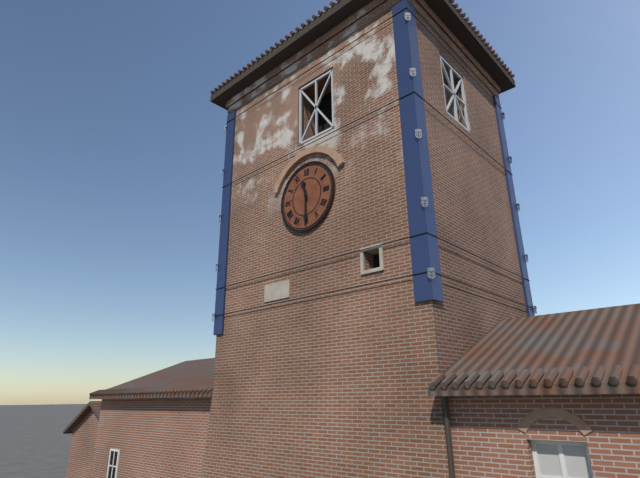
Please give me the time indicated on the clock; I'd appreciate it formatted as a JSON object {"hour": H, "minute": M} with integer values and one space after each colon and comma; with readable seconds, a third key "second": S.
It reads {"hour": 11, "minute": 30}
